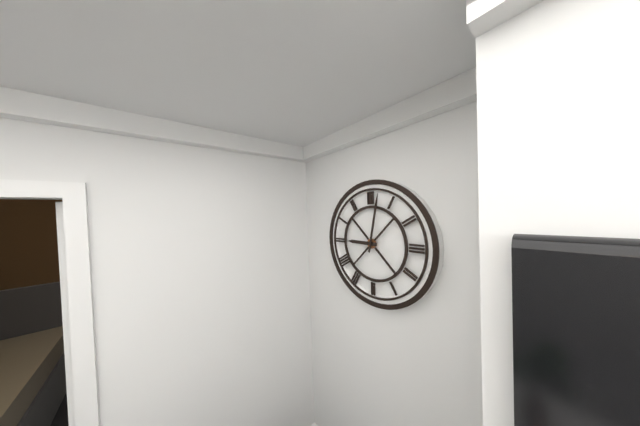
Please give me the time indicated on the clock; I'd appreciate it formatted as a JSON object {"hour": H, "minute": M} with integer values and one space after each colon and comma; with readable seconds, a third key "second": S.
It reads {"hour": 9, "minute": 2}
